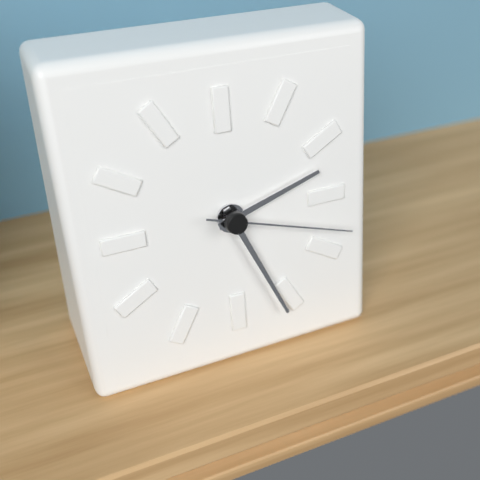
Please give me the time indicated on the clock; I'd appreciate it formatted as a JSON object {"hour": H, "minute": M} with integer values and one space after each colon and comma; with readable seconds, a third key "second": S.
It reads {"hour": 2, "minute": 26, "second": 18}
